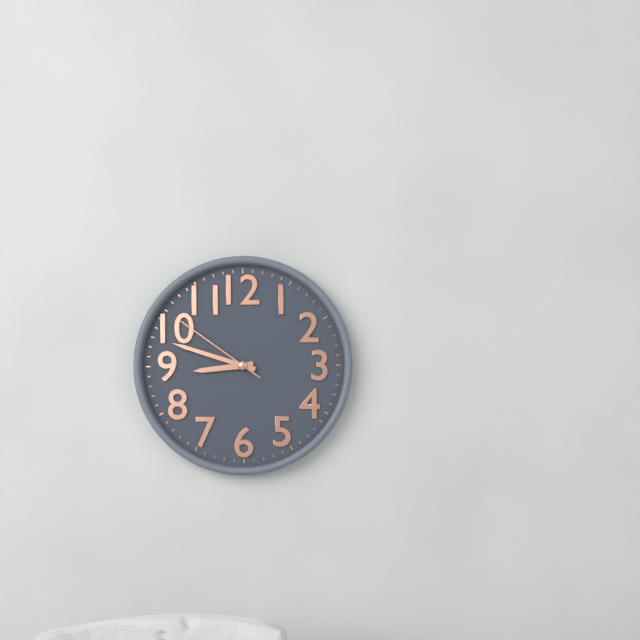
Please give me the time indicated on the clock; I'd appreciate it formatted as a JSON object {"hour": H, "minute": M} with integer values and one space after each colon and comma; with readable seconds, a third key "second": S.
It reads {"hour": 8, "minute": 48, "second": 51}
